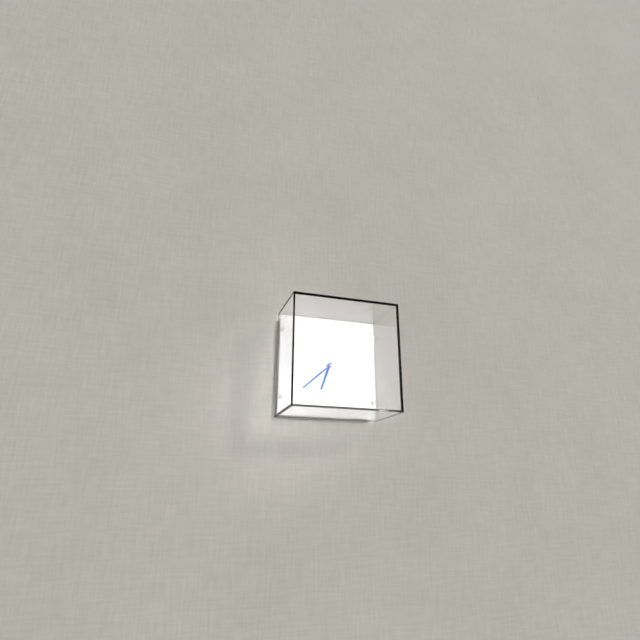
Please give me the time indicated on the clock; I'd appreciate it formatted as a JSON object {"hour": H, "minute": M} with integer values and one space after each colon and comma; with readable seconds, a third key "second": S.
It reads {"hour": 6, "minute": 38}
